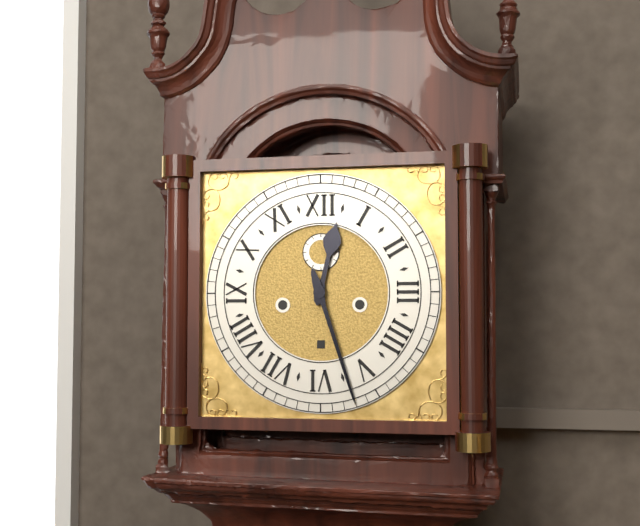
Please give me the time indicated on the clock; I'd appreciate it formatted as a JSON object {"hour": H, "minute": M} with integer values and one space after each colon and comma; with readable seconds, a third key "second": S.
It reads {"hour": 12, "minute": 27}
